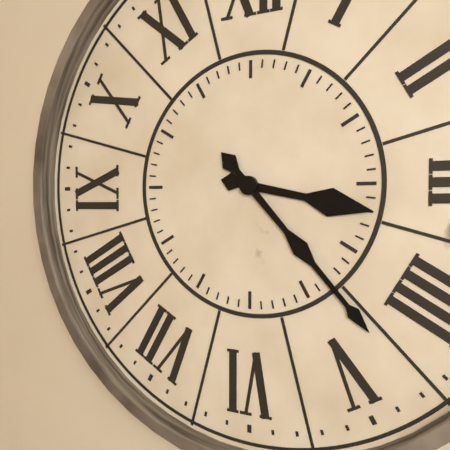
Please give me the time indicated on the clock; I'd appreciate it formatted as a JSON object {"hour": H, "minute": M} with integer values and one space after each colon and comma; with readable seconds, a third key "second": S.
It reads {"hour": 3, "minute": 23}
